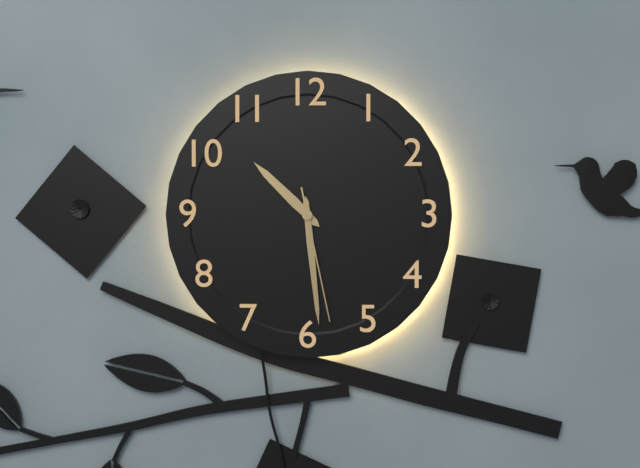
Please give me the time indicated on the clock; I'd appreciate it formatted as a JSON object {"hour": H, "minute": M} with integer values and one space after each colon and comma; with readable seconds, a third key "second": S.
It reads {"hour": 10, "minute": 29, "second": 28}
